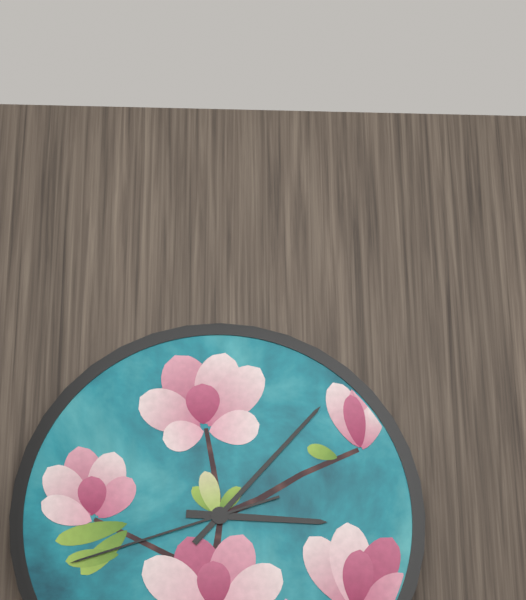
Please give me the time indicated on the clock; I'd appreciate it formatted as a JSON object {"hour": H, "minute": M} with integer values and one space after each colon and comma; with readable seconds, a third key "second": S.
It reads {"hour": 3, "minute": 7, "second": 42}
